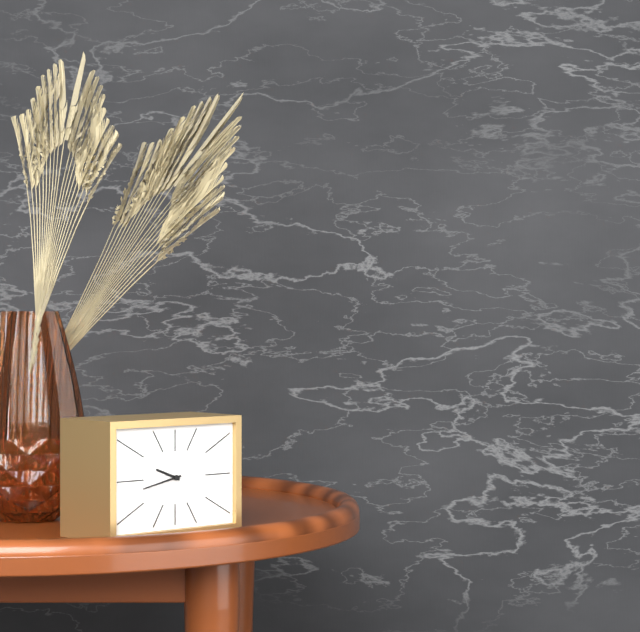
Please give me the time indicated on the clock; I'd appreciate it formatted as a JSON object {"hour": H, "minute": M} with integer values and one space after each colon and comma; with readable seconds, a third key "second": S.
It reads {"hour": 9, "minute": 43}
